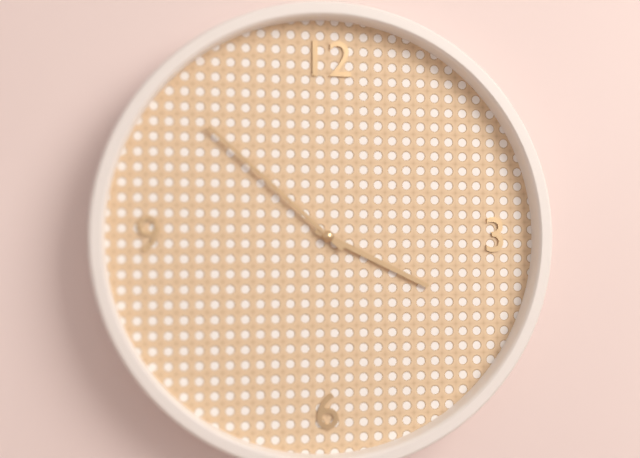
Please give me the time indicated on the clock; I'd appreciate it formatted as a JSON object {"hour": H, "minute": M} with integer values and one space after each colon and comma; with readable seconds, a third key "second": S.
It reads {"hour": 3, "minute": 52}
